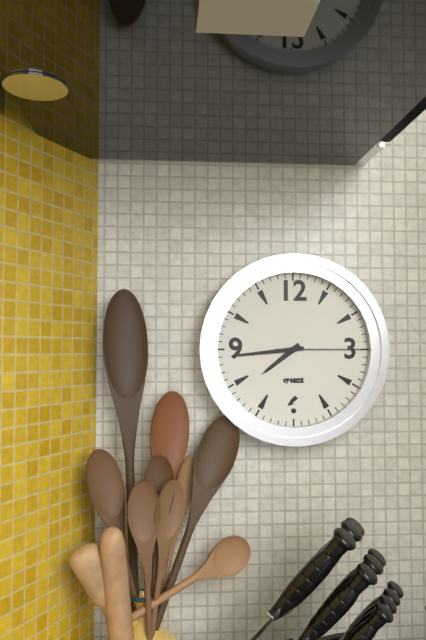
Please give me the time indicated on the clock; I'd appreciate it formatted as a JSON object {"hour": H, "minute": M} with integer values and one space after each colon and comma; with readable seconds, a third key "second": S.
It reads {"hour": 7, "minute": 44, "second": 15}
